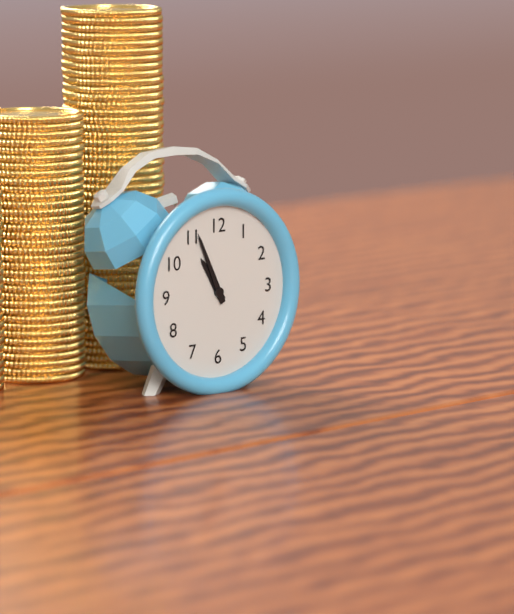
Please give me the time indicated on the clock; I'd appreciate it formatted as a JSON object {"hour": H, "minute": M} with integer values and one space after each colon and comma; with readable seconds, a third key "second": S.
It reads {"hour": 10, "minute": 56}
